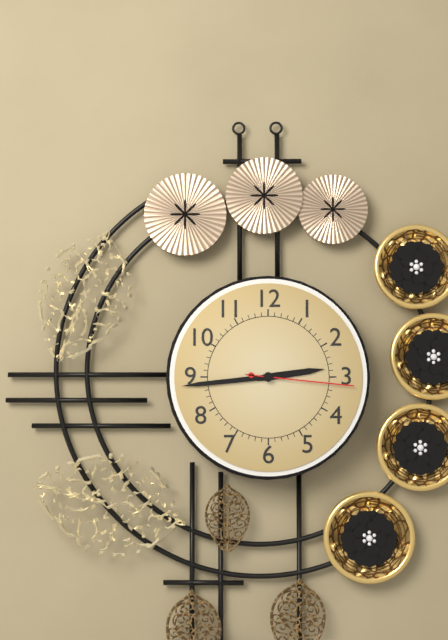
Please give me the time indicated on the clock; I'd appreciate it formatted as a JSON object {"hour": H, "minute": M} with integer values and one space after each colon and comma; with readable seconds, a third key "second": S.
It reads {"hour": 2, "minute": 44, "second": 16}
